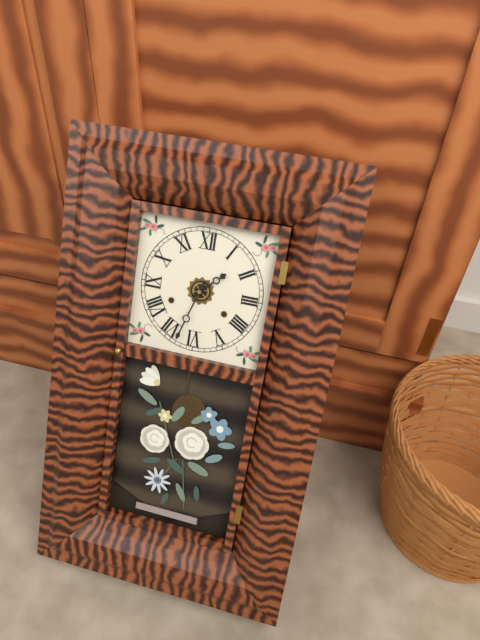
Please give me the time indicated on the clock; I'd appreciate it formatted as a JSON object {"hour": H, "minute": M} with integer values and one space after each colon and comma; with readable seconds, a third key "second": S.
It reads {"hour": 1, "minute": 33}
